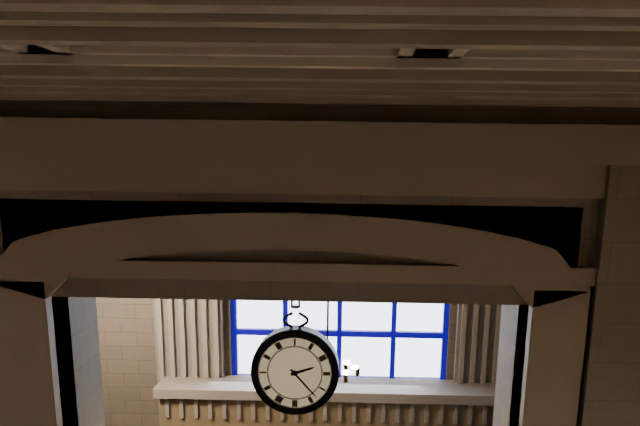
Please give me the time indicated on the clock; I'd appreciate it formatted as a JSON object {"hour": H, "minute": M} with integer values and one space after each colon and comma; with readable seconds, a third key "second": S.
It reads {"hour": 2, "minute": 23}
